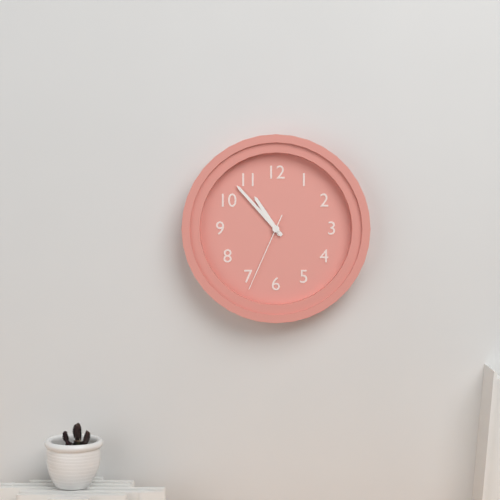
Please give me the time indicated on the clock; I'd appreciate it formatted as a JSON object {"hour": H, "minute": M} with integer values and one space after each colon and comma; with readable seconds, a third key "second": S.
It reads {"hour": 10, "minute": 53, "second": 34}
